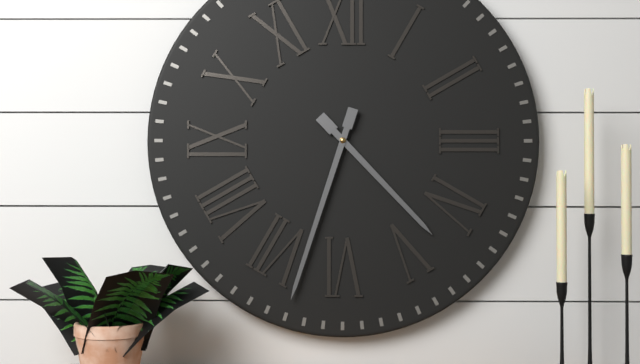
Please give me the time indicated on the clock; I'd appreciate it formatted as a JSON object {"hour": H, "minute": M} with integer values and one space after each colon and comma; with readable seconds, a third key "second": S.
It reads {"hour": 4, "minute": 33}
